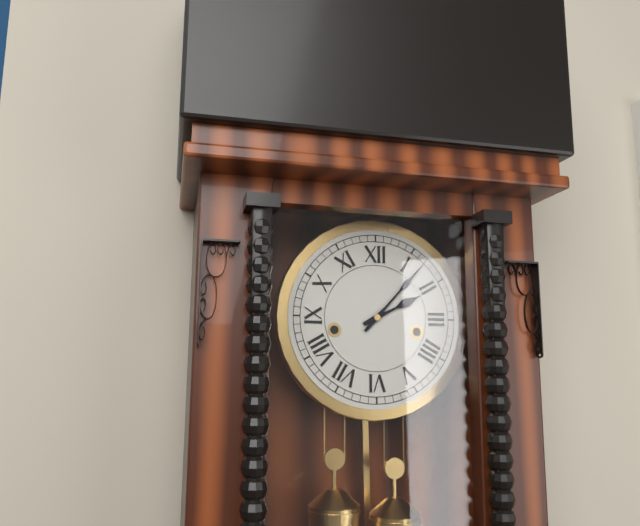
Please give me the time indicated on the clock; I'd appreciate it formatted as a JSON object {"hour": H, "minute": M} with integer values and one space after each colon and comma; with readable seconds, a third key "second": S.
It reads {"hour": 2, "minute": 7}
